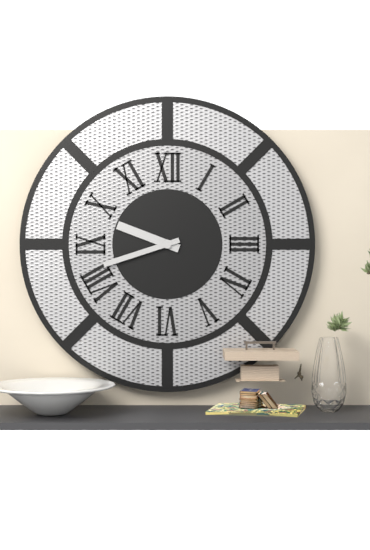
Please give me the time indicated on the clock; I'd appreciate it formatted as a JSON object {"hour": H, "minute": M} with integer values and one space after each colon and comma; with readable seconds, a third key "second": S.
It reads {"hour": 9, "minute": 42}
